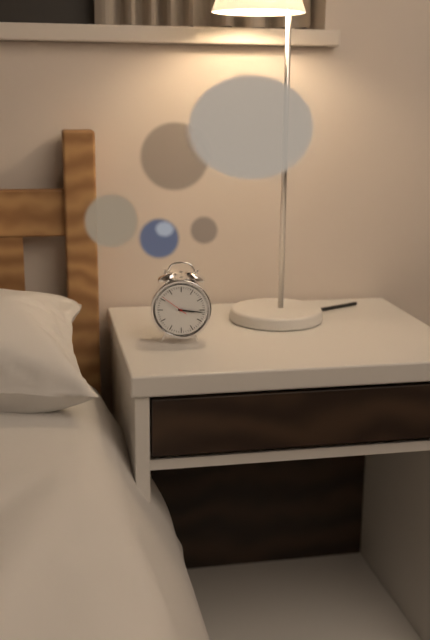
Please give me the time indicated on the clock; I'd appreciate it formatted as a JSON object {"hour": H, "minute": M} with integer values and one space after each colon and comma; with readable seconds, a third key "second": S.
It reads {"hour": 3, "minute": 16}
